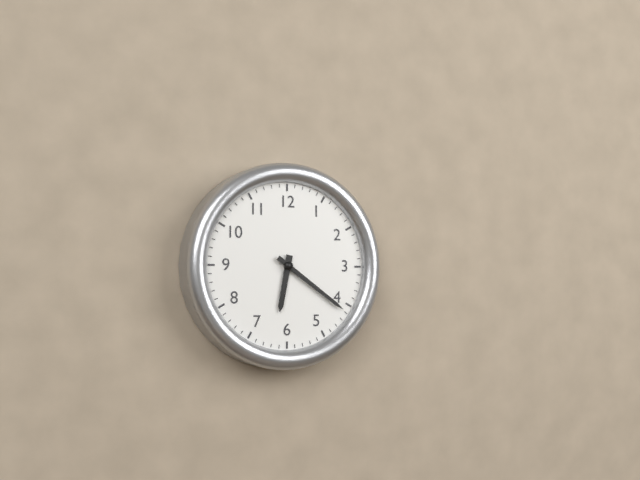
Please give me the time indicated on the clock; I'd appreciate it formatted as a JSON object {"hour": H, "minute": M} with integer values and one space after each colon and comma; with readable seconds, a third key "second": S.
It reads {"hour": 6, "minute": 21}
